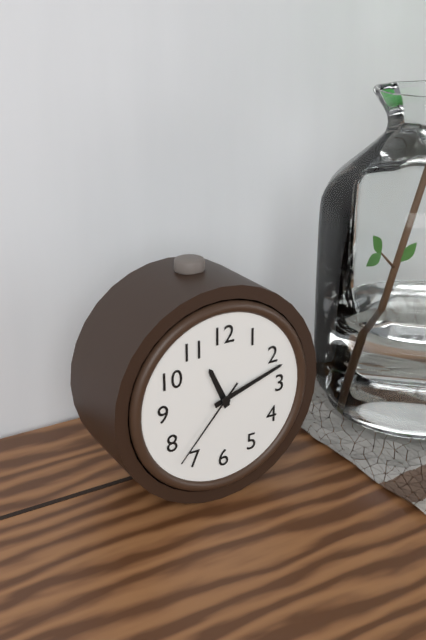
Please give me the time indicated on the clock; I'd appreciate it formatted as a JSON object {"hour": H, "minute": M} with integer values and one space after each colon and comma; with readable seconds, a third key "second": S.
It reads {"hour": 11, "minute": 12, "second": 37}
